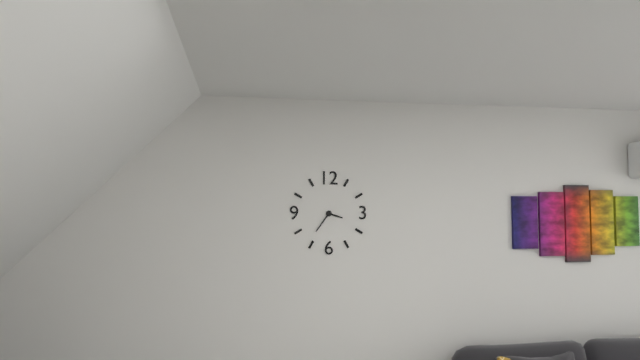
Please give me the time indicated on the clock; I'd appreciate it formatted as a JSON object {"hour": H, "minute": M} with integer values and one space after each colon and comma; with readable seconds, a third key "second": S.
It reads {"hour": 3, "minute": 36}
